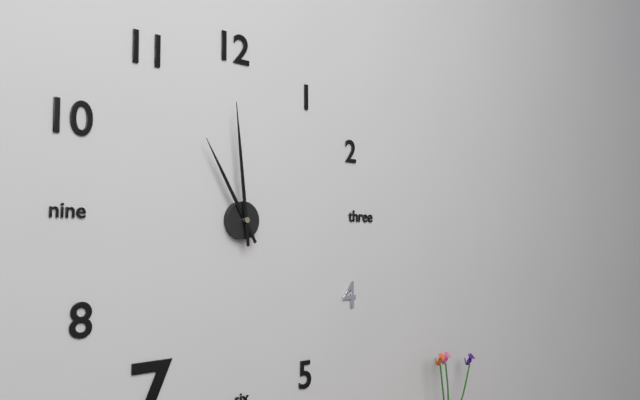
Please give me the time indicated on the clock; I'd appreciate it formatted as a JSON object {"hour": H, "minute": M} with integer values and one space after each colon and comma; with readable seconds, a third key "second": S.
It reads {"hour": 10, "minute": 59}
